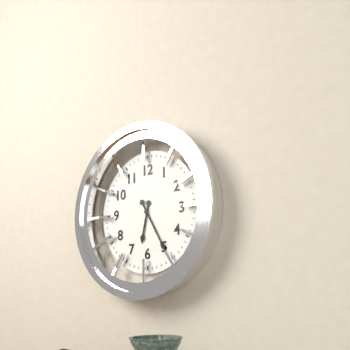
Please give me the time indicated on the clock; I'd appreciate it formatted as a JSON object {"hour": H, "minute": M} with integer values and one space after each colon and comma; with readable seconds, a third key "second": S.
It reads {"hour": 6, "minute": 25}
